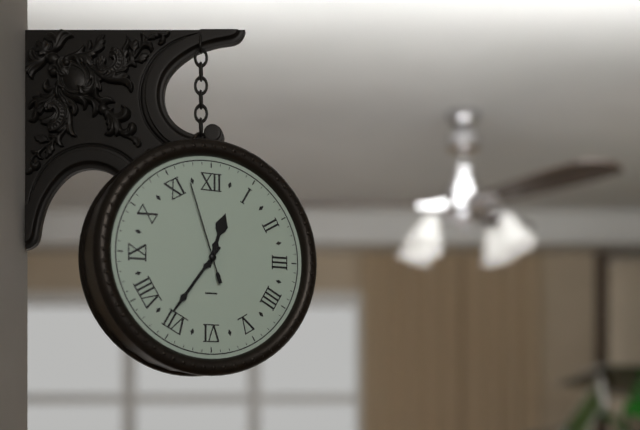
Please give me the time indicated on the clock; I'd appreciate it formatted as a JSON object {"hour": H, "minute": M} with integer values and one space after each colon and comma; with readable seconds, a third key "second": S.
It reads {"hour": 12, "minute": 36, "second": 57}
